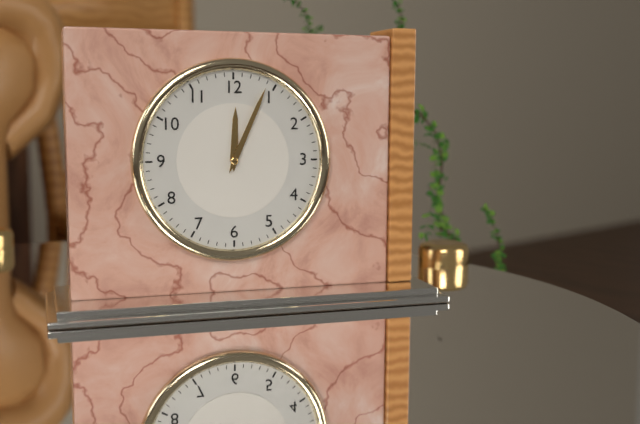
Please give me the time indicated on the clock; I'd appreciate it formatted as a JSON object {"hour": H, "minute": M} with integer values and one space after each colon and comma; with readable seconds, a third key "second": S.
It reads {"hour": 12, "minute": 4}
